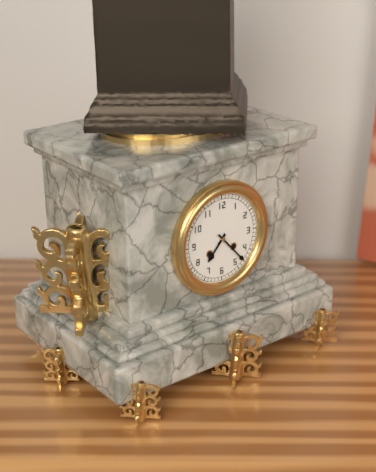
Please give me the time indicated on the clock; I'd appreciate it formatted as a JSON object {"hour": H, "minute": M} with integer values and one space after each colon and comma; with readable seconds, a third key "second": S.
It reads {"hour": 7, "minute": 23}
